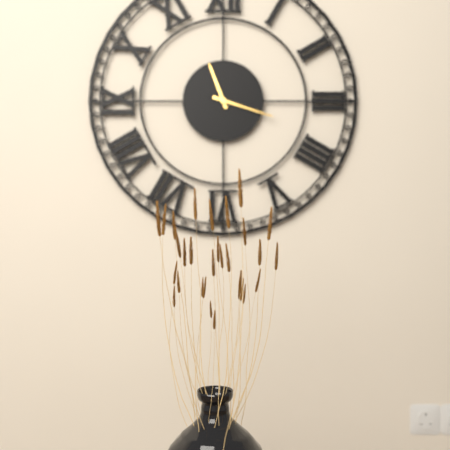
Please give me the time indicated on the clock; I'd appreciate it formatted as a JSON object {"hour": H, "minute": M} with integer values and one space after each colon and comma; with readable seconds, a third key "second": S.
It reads {"hour": 11, "minute": 18}
